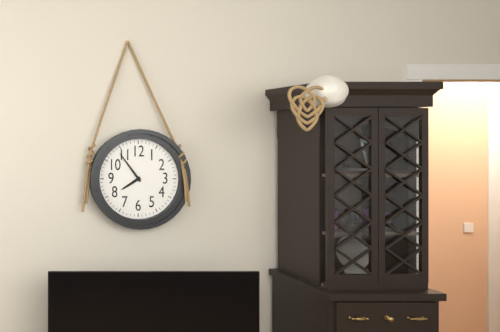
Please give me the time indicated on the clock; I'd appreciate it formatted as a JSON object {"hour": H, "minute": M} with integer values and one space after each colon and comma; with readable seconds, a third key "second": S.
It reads {"hour": 7, "minute": 54}
